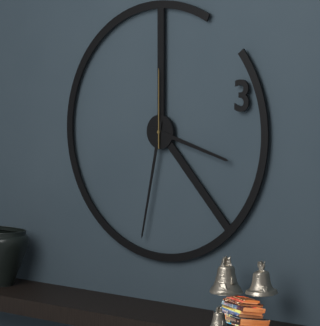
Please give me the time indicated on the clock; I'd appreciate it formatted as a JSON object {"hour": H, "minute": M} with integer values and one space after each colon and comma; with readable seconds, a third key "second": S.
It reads {"hour": 3, "minute": 32, "second": 0}
